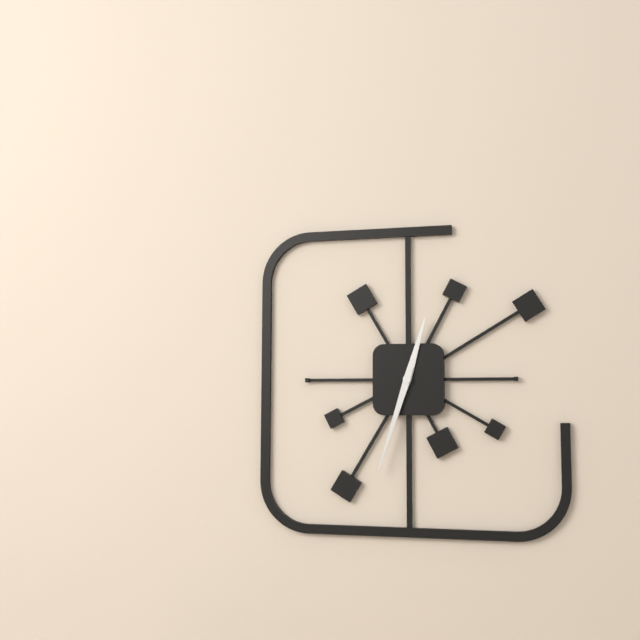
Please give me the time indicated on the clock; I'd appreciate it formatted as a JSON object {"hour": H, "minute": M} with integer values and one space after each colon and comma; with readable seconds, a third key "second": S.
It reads {"hour": 12, "minute": 33}
